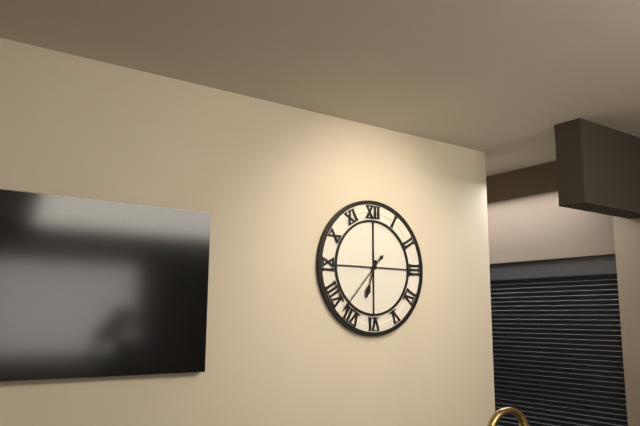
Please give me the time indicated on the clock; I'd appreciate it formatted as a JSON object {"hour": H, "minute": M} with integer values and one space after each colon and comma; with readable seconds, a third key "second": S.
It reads {"hour": 6, "minute": 37}
